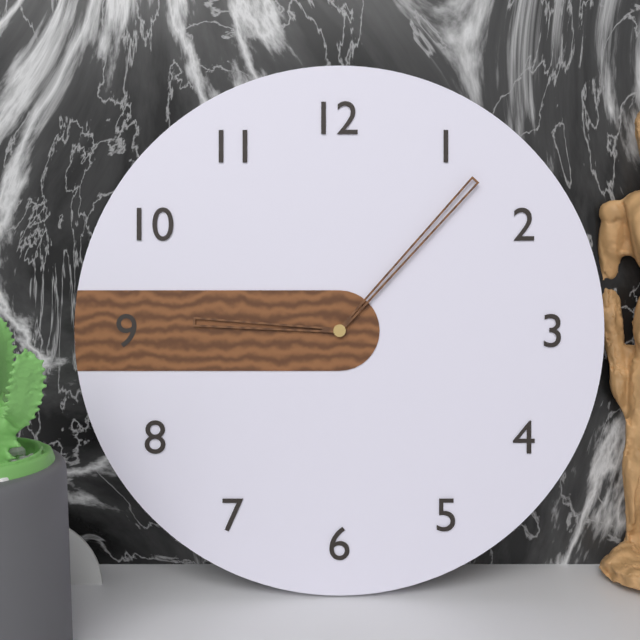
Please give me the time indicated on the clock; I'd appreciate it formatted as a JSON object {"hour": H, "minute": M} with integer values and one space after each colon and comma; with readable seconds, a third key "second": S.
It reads {"hour": 9, "minute": 7}
